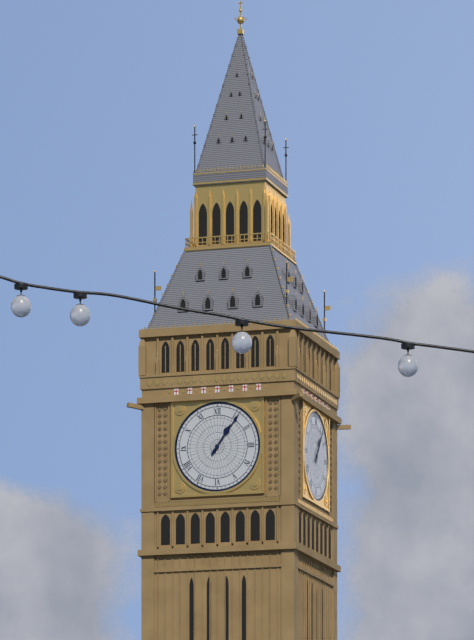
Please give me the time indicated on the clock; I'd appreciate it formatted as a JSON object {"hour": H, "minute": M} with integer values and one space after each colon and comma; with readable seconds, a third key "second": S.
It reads {"hour": 1, "minute": 6}
